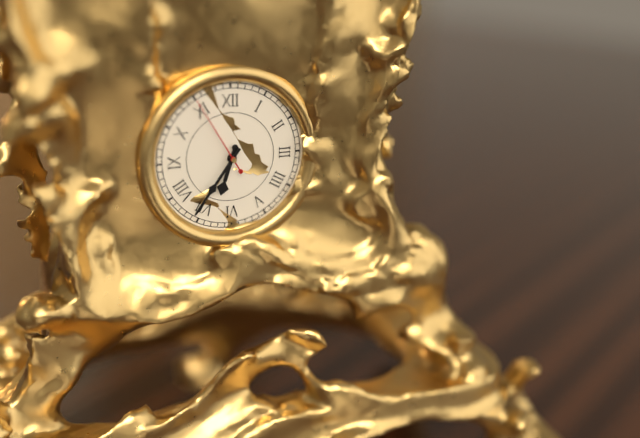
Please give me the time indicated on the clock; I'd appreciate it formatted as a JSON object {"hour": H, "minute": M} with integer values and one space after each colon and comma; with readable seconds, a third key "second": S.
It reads {"hour": 6, "minute": 36, "second": 55}
